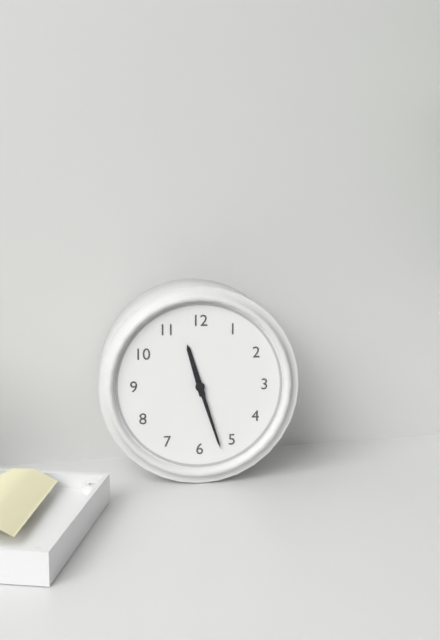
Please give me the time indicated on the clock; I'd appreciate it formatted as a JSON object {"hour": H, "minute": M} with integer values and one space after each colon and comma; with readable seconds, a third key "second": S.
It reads {"hour": 11, "minute": 27}
